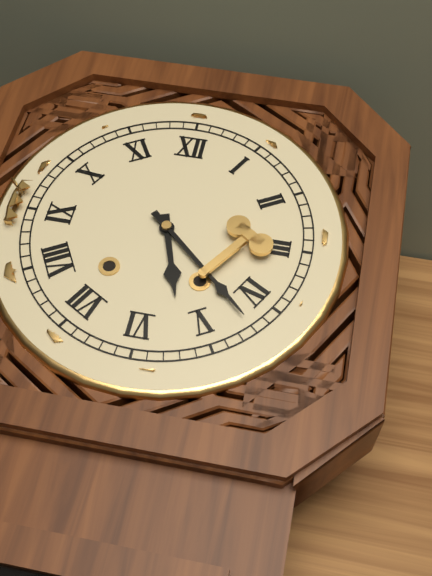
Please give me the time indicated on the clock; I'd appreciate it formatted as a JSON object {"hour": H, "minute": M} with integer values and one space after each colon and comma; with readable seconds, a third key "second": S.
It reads {"hour": 5, "minute": 22}
